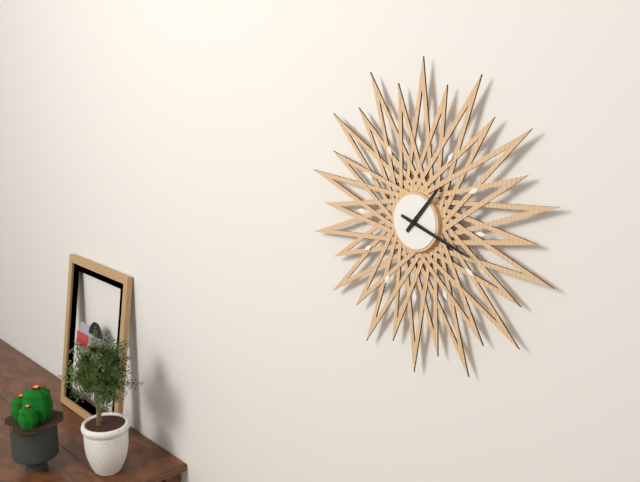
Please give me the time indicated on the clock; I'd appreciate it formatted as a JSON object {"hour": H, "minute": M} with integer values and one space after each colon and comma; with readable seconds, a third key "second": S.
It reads {"hour": 1, "minute": 18}
